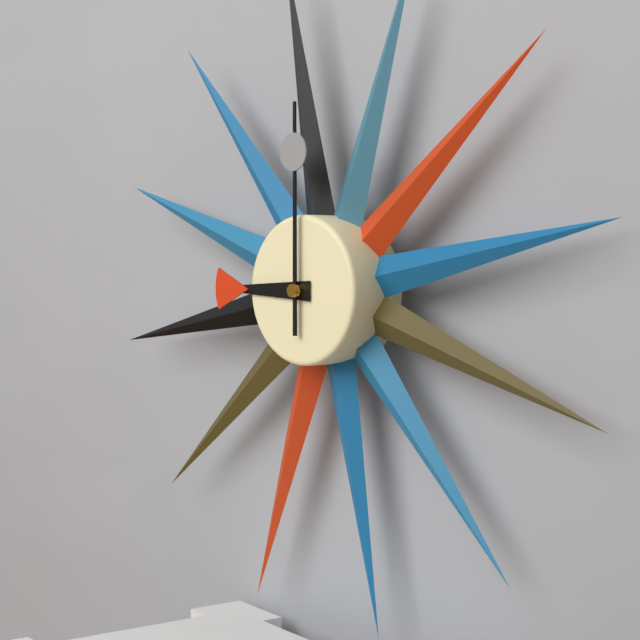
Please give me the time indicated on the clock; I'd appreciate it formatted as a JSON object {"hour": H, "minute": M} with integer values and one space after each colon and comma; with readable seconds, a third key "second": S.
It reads {"hour": 9, "minute": 0}
